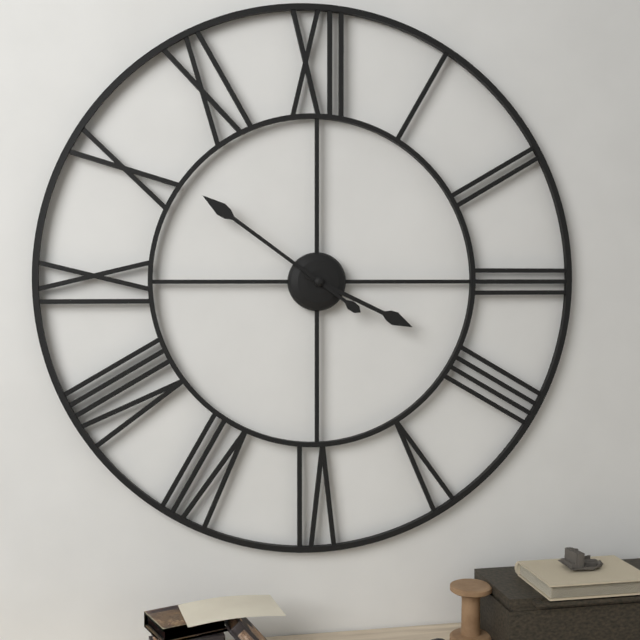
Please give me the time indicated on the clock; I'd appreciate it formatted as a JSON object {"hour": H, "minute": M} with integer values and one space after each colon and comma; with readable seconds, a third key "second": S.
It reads {"hour": 3, "minute": 51}
